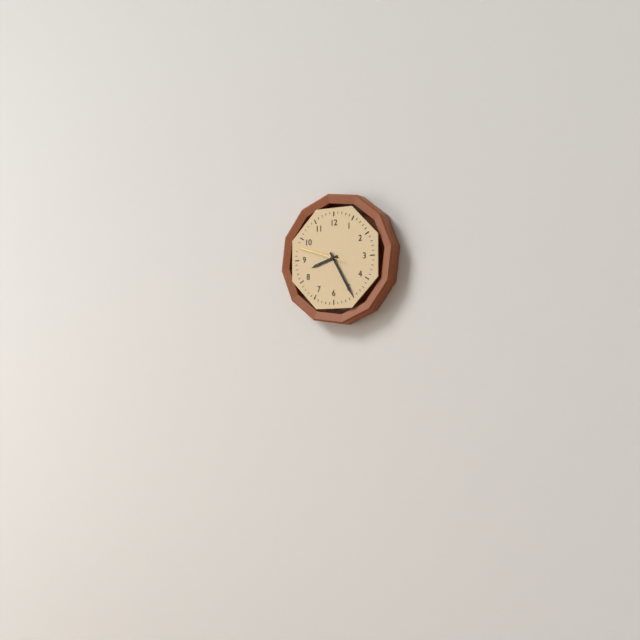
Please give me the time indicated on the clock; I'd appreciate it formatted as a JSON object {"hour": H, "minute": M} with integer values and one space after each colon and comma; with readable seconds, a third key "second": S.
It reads {"hour": 8, "minute": 25}
